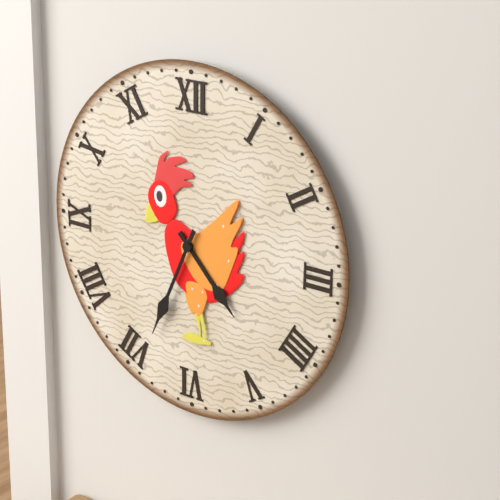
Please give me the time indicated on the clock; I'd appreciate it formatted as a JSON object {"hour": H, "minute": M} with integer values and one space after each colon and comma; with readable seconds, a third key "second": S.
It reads {"hour": 4, "minute": 34}
